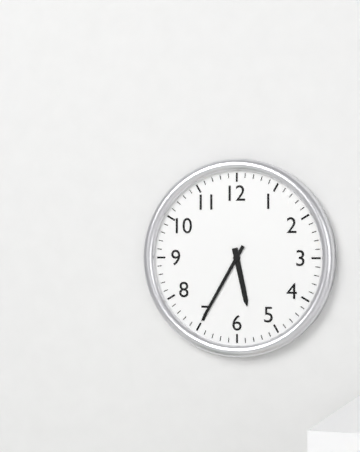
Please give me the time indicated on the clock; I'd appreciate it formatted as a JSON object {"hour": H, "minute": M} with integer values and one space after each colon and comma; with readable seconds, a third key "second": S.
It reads {"hour": 5, "minute": 35}
